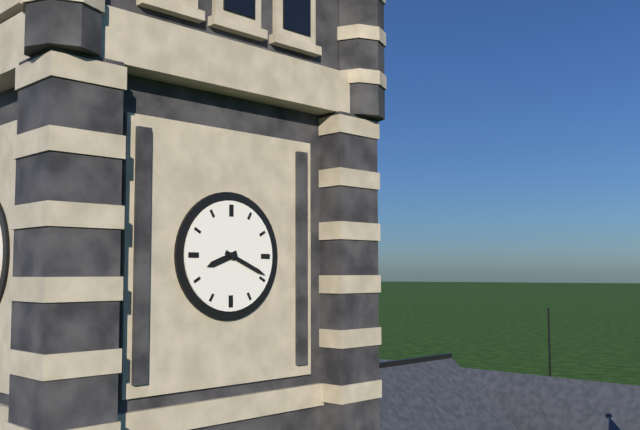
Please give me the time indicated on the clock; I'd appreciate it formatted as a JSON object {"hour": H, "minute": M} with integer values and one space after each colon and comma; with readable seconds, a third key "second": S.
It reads {"hour": 8, "minute": 19}
